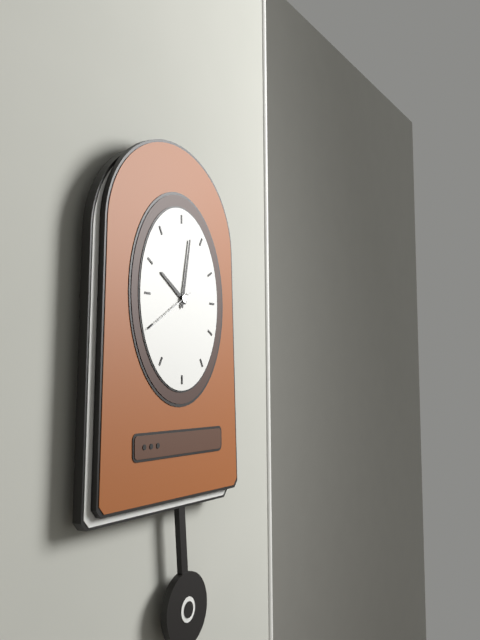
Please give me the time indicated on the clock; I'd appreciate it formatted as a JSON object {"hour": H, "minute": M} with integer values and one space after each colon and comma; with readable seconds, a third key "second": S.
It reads {"hour": 10, "minute": 2, "second": 40}
